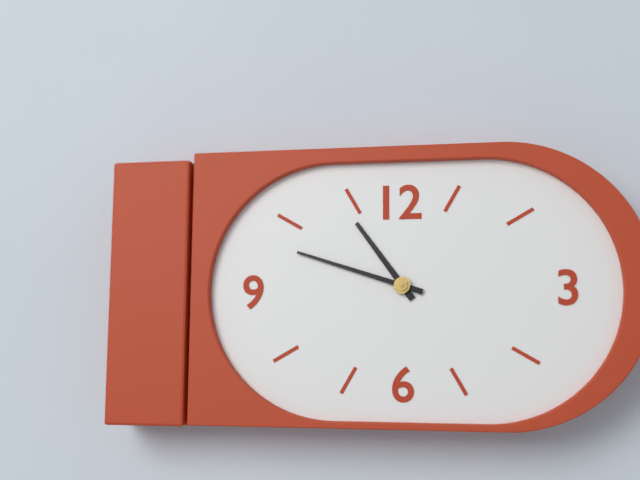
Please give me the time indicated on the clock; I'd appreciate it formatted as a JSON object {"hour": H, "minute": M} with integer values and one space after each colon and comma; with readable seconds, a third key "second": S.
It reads {"hour": 10, "minute": 48}
